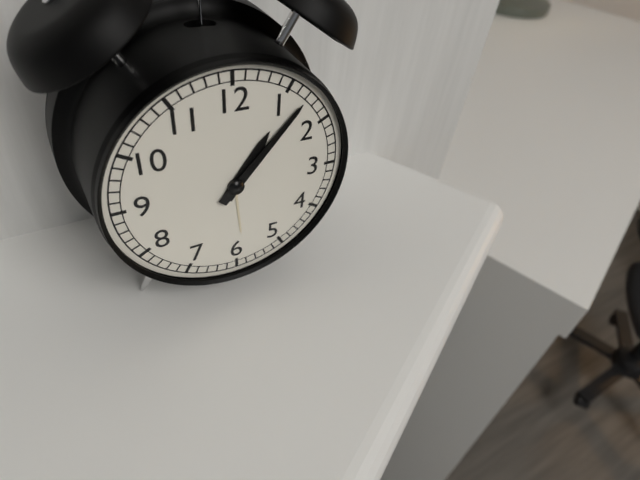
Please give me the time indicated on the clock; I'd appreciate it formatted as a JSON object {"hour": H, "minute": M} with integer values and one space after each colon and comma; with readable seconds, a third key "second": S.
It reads {"hour": 1, "minute": 7}
